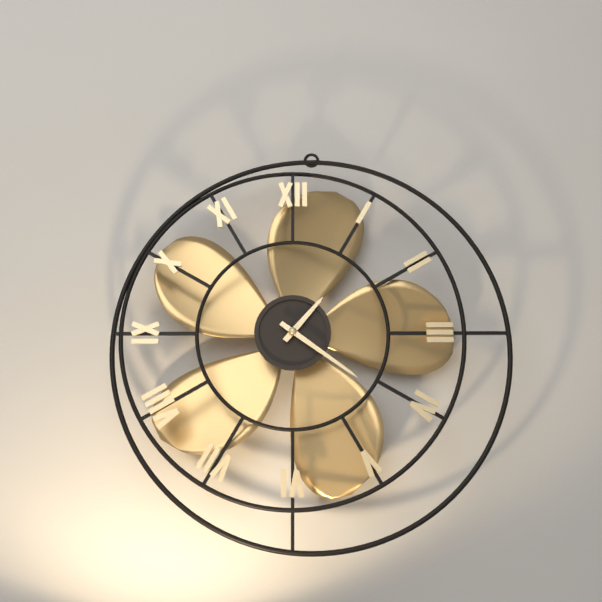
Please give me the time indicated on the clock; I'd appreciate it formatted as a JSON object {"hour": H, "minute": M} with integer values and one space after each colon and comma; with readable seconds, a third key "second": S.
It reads {"hour": 1, "minute": 21}
